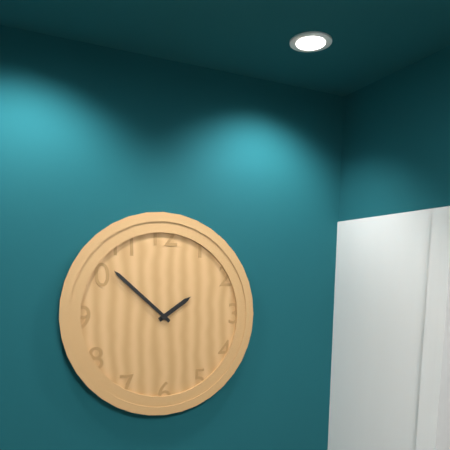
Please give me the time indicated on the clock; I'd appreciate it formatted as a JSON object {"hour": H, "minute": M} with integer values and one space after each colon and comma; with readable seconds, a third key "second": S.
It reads {"hour": 1, "minute": 52}
